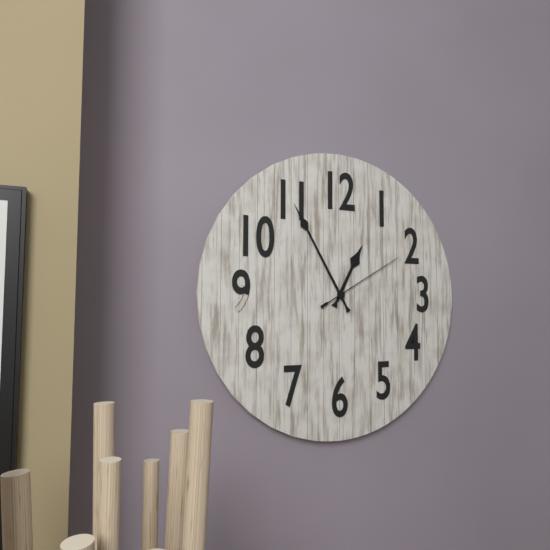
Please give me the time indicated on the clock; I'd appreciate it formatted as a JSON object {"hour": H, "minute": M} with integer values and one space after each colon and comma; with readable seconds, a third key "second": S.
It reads {"hour": 12, "minute": 55, "second": 10}
